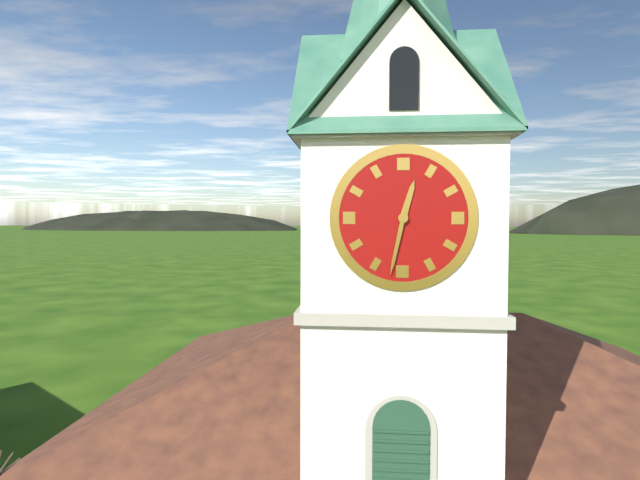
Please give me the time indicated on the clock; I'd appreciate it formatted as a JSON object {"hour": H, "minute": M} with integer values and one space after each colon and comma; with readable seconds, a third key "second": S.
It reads {"hour": 12, "minute": 32}
